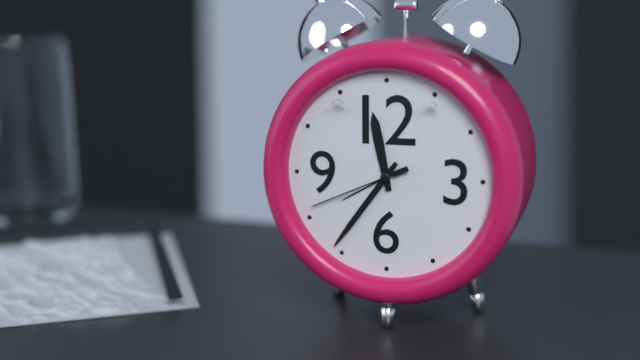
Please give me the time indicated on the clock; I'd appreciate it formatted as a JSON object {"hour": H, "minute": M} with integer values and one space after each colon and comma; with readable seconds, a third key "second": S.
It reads {"hour": 11, "minute": 36, "second": 41}
